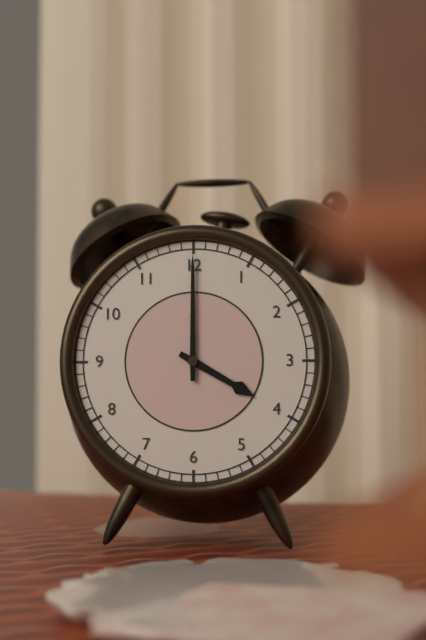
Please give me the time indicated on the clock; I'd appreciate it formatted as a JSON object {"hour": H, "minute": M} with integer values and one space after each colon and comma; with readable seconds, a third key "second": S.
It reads {"hour": 4, "minute": 0}
